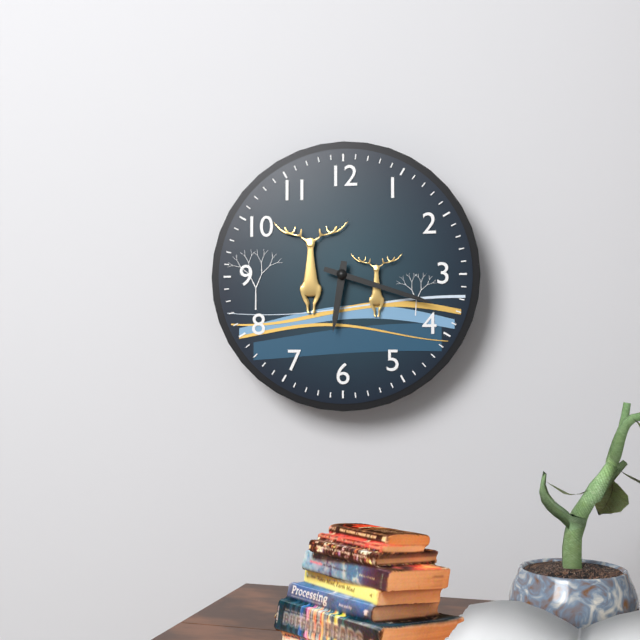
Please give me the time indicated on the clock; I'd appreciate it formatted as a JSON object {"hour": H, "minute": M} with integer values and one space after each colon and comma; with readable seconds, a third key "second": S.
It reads {"hour": 6, "minute": 18}
